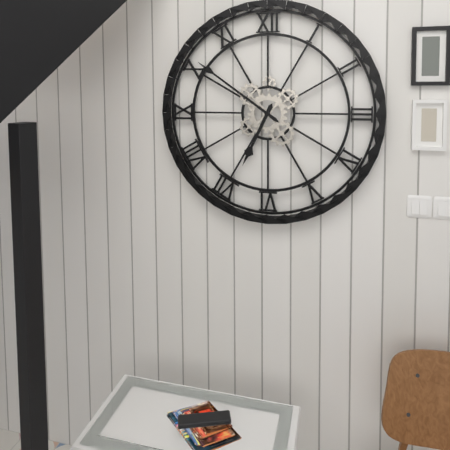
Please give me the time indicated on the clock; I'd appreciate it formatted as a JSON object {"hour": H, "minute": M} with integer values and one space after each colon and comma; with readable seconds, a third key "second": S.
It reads {"hour": 6, "minute": 51}
